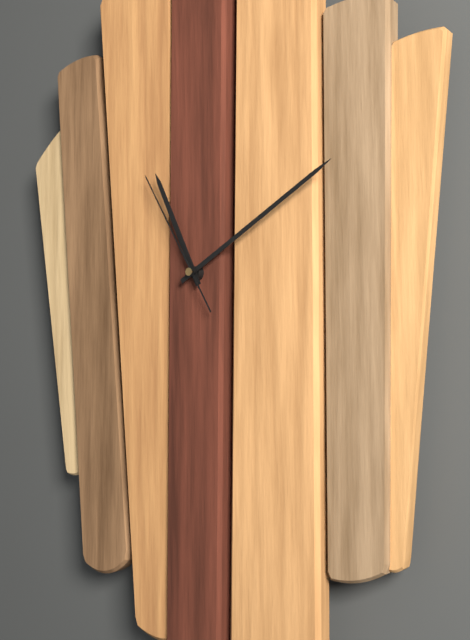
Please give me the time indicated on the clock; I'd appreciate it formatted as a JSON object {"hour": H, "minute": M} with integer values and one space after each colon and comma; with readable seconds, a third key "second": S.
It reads {"hour": 11, "minute": 10, "second": 55}
